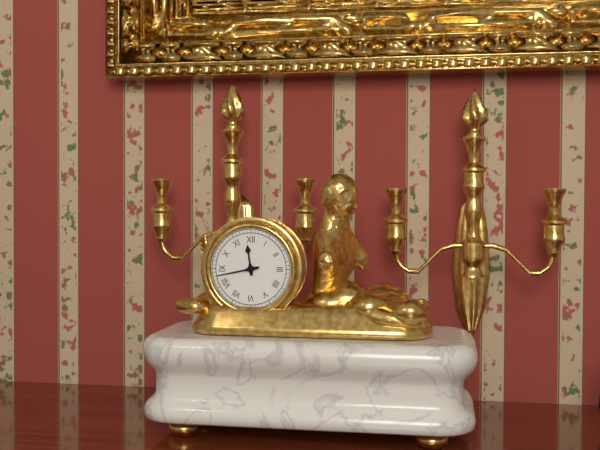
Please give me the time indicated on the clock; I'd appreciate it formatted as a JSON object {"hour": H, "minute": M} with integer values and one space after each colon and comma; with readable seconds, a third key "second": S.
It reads {"hour": 11, "minute": 43}
